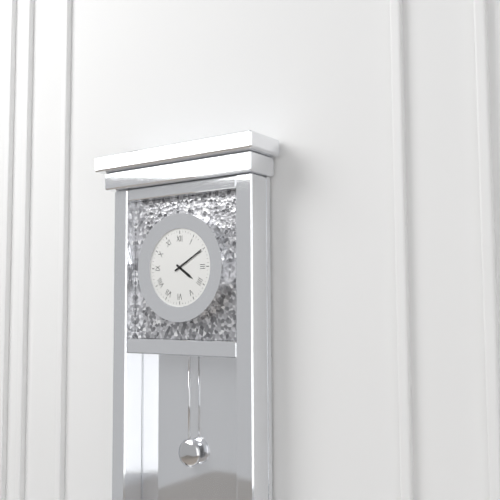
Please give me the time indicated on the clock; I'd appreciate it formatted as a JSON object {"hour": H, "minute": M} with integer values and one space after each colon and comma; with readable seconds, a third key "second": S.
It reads {"hour": 4, "minute": 10}
